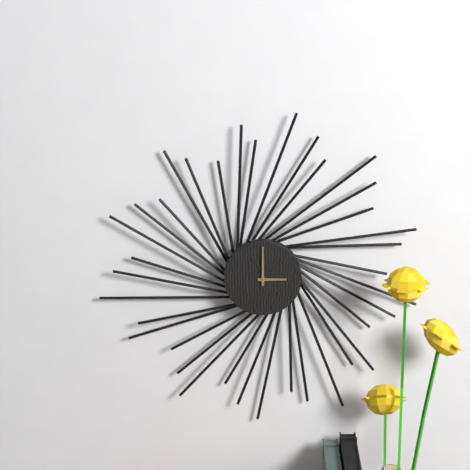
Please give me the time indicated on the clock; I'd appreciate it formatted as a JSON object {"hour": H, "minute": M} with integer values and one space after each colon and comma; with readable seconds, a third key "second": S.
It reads {"hour": 3, "minute": 0}
